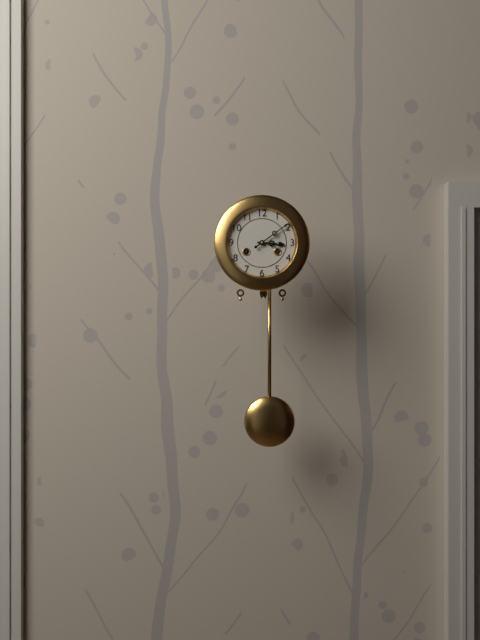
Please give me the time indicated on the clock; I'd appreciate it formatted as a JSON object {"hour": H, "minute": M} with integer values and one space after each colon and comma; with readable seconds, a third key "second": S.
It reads {"hour": 3, "minute": 9}
